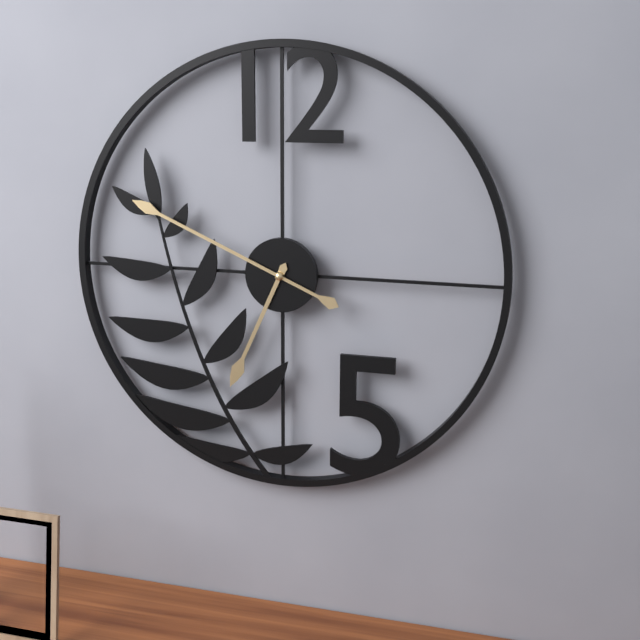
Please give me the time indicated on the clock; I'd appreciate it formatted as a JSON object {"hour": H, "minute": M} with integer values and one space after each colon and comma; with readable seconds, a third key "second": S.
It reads {"hour": 6, "minute": 49}
